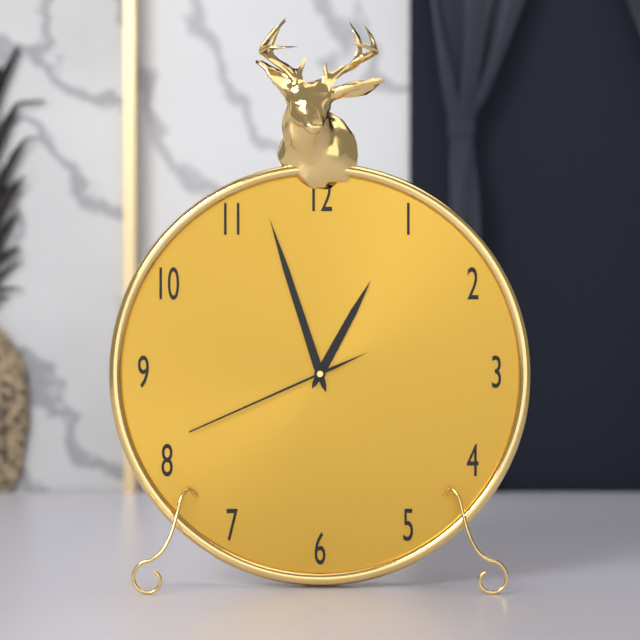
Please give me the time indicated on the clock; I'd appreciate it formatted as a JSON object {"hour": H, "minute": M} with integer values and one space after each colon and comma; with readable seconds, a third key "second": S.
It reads {"hour": 12, "minute": 57, "second": 41}
